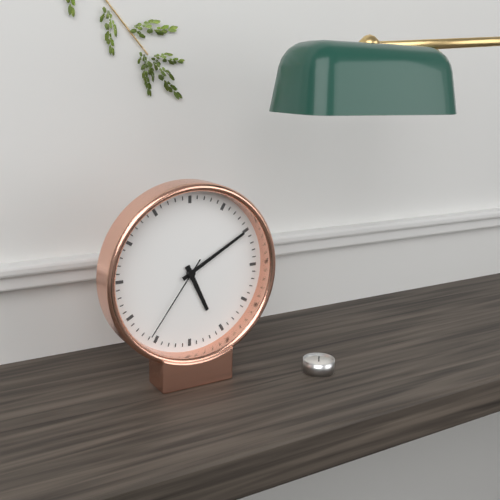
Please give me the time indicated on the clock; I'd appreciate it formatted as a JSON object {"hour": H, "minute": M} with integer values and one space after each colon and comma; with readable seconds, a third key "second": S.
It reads {"hour": 5, "minute": 10, "second": 36}
